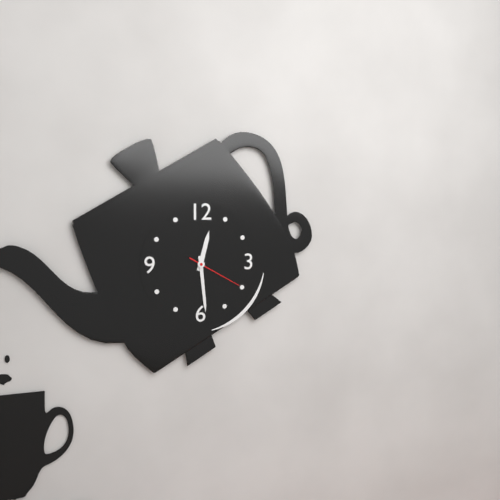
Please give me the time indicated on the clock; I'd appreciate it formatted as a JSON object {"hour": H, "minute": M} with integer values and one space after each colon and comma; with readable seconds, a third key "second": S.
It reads {"hour": 12, "minute": 29, "second": 20}
